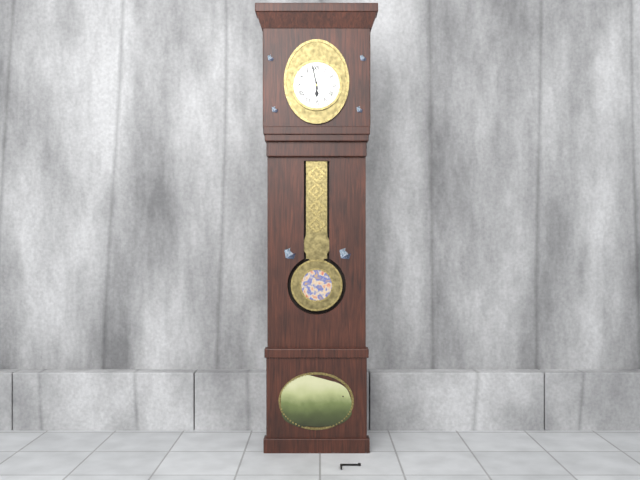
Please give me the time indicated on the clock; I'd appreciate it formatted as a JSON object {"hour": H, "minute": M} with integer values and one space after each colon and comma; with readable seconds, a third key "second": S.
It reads {"hour": 5, "minute": 58}
